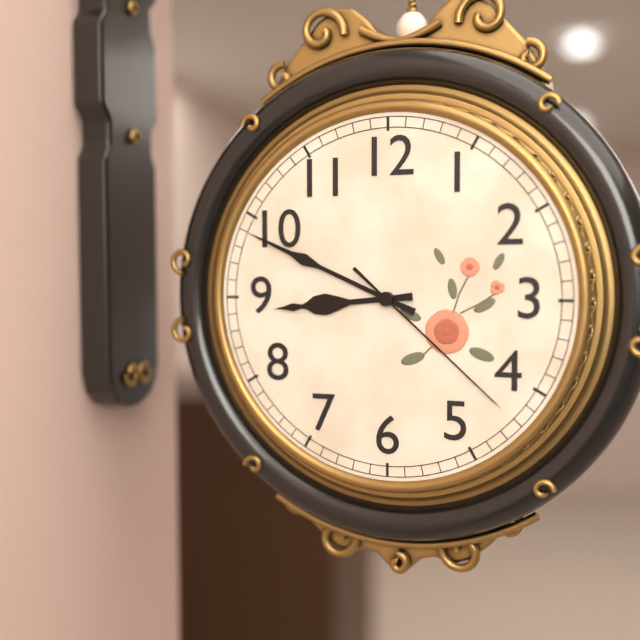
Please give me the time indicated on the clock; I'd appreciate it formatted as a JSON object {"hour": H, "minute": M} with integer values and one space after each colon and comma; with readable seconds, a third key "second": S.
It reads {"hour": 8, "minute": 49, "second": 22}
